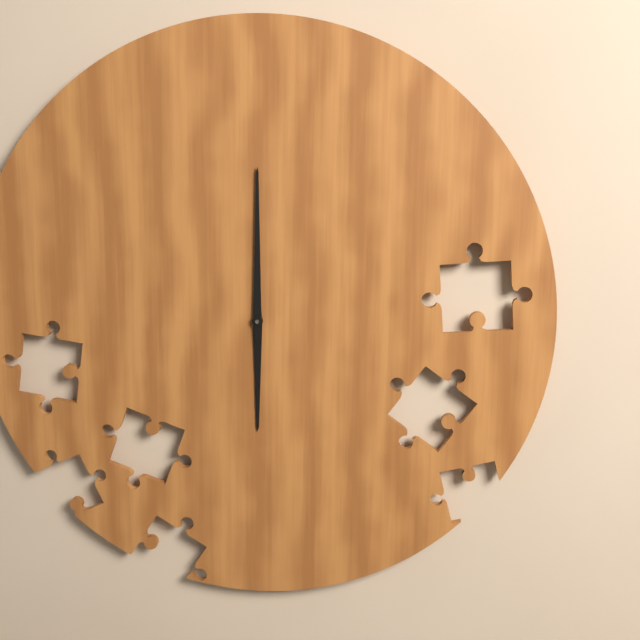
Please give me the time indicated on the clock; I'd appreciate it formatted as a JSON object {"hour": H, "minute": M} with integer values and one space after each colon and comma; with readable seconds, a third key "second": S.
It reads {"hour": 6, "minute": 0}
